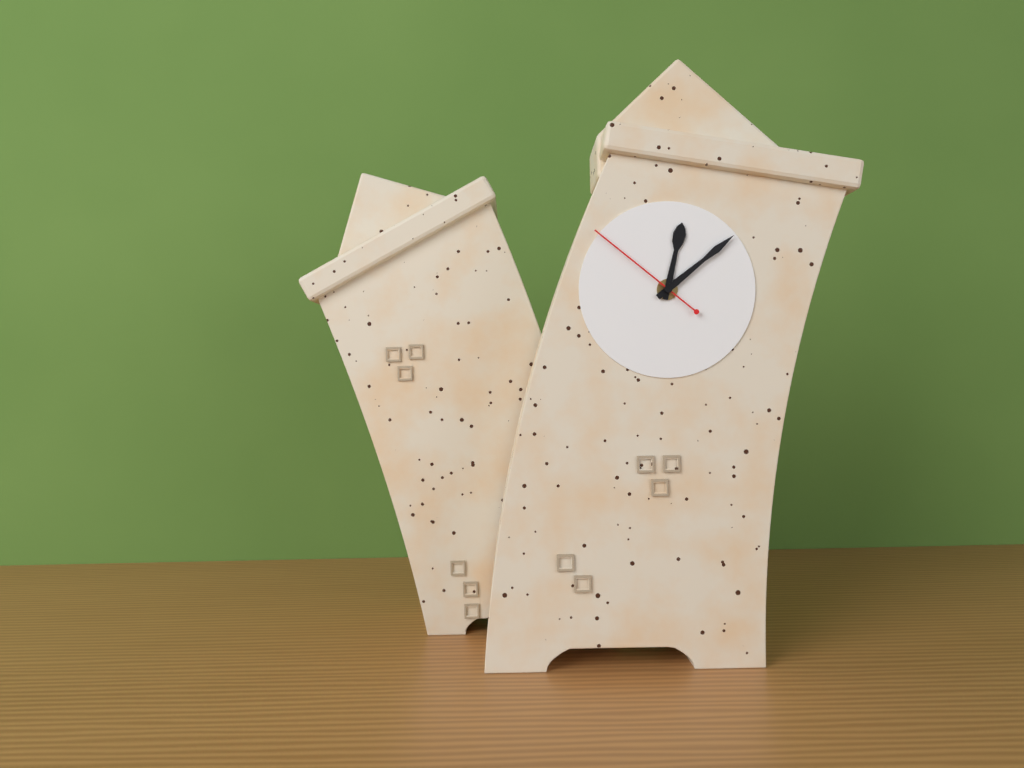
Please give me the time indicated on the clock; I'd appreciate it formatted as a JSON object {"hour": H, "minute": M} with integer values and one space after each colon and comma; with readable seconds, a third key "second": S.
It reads {"hour": 12, "minute": 7, "second": 50}
